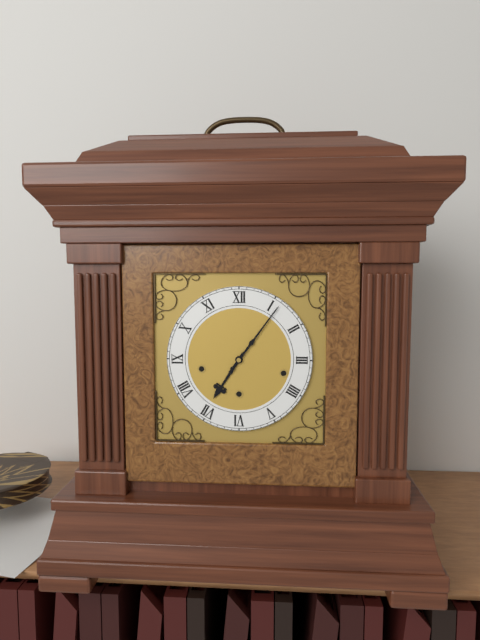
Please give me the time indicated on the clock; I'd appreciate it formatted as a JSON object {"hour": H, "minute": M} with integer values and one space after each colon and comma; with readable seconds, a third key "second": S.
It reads {"hour": 7, "minute": 6}
